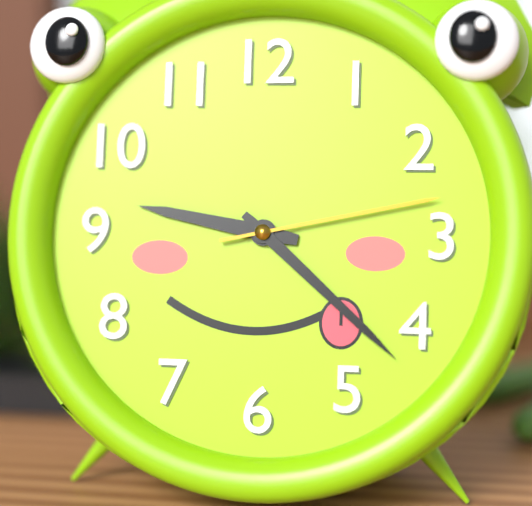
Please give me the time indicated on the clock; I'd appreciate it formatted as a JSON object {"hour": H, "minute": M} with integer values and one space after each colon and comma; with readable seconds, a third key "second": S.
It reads {"hour": 9, "minute": 22, "second": 13}
